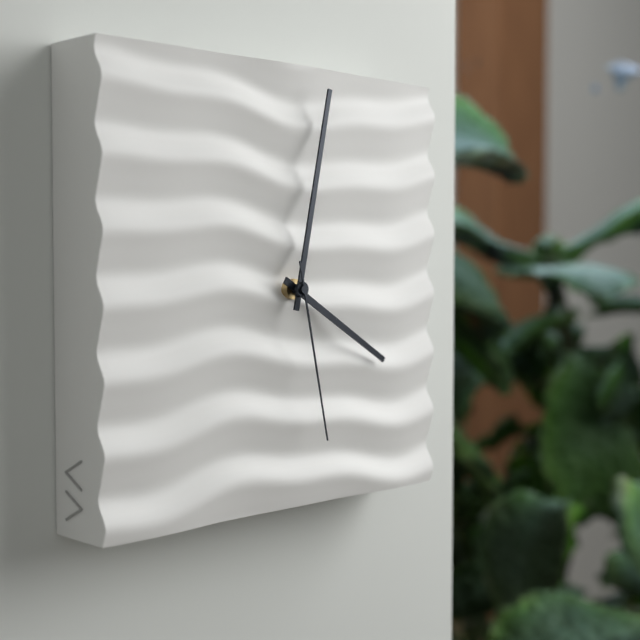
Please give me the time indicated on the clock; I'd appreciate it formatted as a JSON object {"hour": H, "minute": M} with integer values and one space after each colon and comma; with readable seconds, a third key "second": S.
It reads {"hour": 4, "minute": 2, "second": 28}
